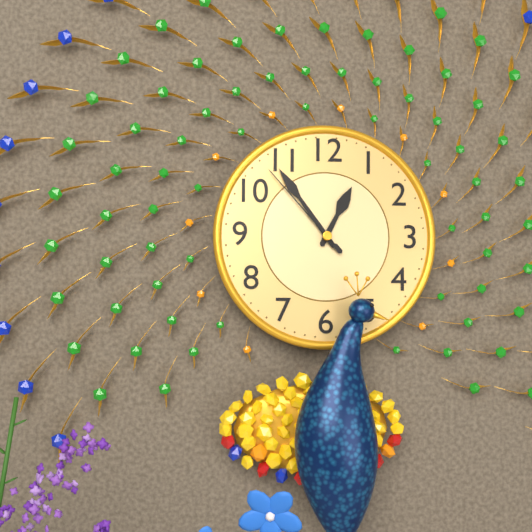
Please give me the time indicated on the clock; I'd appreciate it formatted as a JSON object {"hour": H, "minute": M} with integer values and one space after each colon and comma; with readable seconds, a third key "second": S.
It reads {"hour": 12, "minute": 54, "second": 53}
